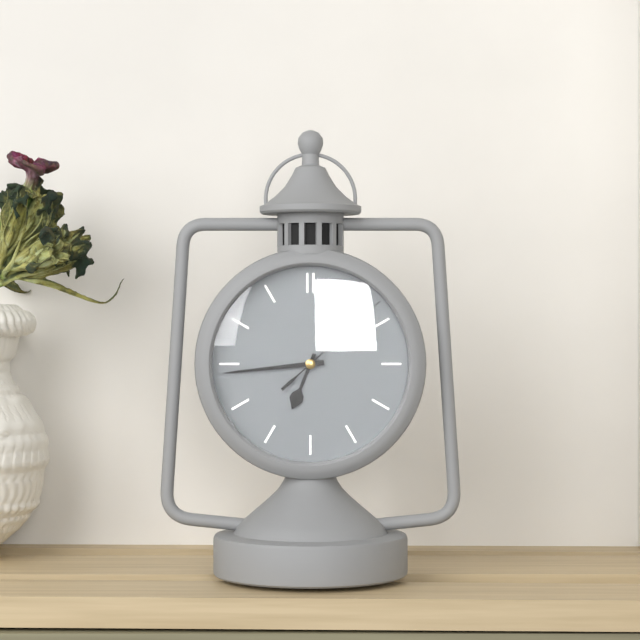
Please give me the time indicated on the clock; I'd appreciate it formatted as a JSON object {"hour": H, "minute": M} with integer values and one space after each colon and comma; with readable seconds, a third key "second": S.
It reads {"hour": 6, "minute": 44, "second": 8}
